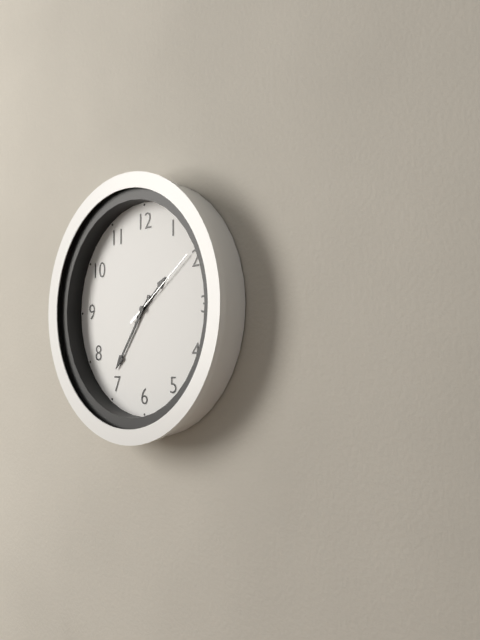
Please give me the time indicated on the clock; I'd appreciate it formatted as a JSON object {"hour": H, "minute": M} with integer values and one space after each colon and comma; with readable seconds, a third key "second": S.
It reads {"hour": 1, "minute": 36, "second": 9}
